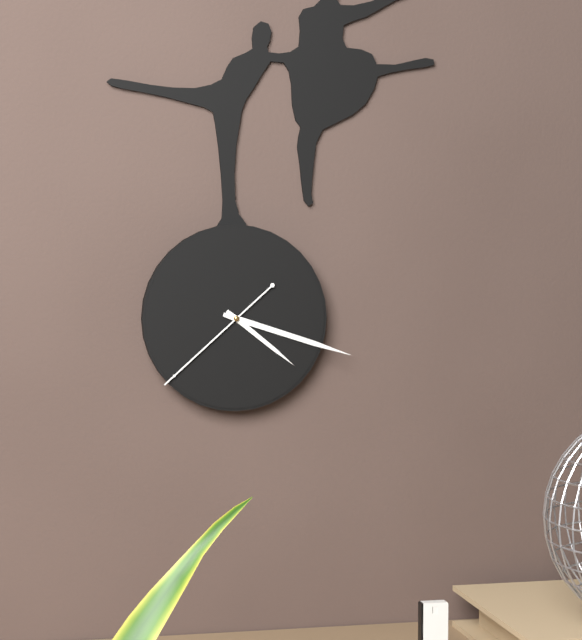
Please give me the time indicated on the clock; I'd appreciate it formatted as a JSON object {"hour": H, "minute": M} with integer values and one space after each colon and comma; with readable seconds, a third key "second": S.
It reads {"hour": 4, "minute": 18, "second": 38}
